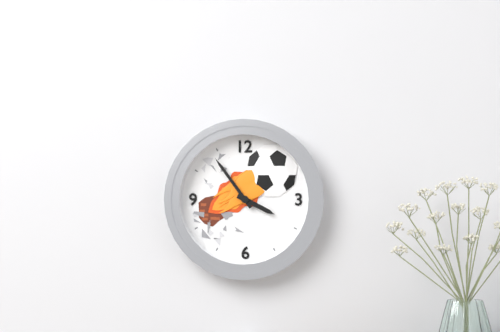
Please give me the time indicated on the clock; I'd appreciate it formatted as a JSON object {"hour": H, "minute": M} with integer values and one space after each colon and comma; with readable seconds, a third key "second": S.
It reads {"hour": 3, "minute": 54}
